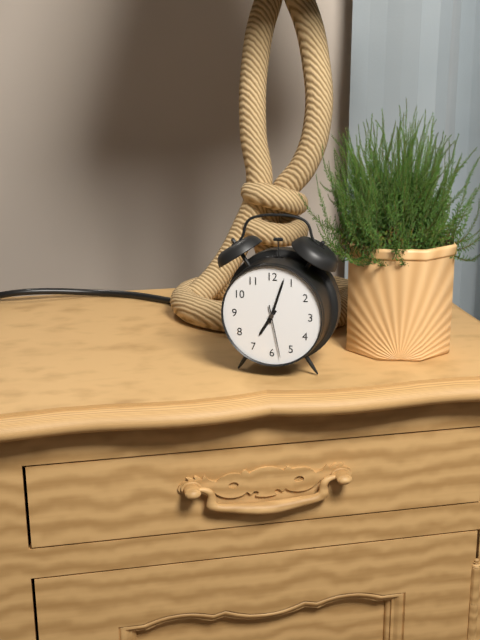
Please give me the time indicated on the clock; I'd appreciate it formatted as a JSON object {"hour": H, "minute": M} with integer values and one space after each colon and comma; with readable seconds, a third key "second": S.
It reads {"hour": 7, "minute": 3, "second": 28}
